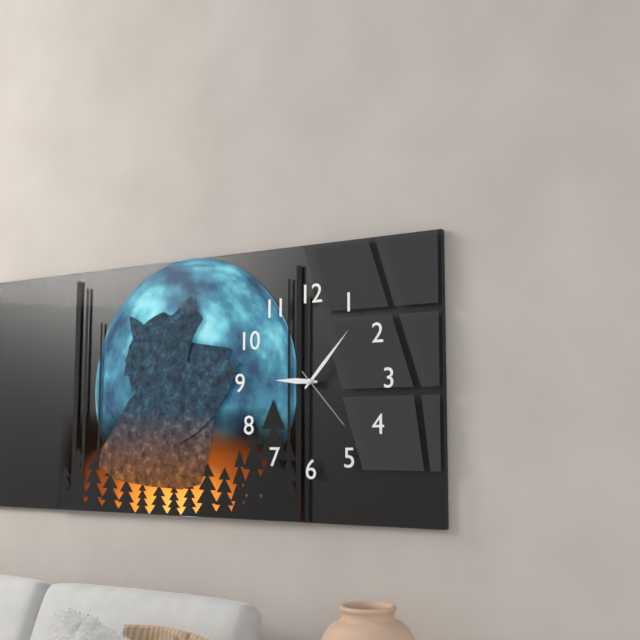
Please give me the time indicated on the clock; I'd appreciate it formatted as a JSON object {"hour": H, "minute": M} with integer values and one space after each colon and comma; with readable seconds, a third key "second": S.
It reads {"hour": 9, "minute": 7, "second": 23}
